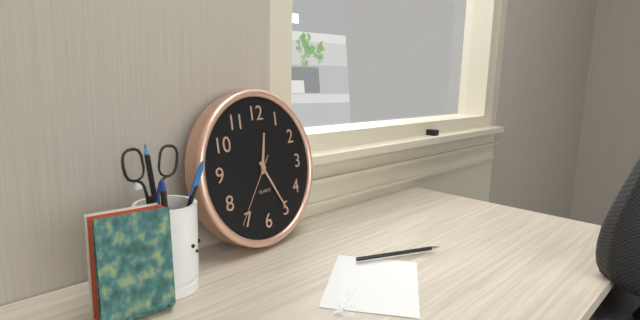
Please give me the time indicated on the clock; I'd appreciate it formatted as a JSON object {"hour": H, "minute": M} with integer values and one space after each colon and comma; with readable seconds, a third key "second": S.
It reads {"hour": 12, "minute": 25, "second": 36}
